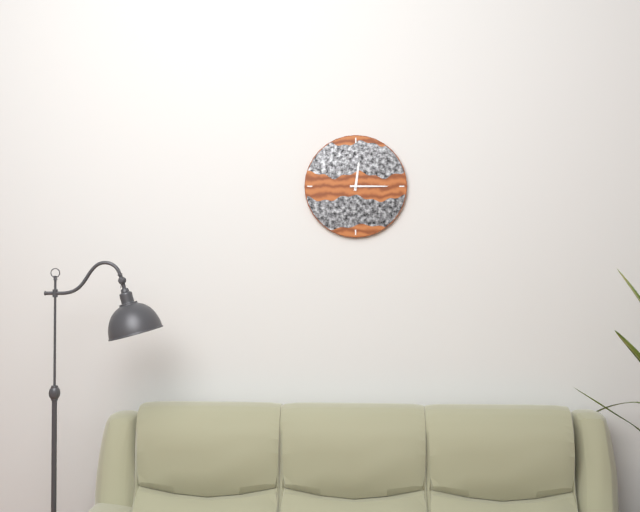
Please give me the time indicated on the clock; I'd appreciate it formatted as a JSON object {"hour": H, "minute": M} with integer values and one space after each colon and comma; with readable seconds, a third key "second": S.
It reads {"hour": 12, "minute": 15}
